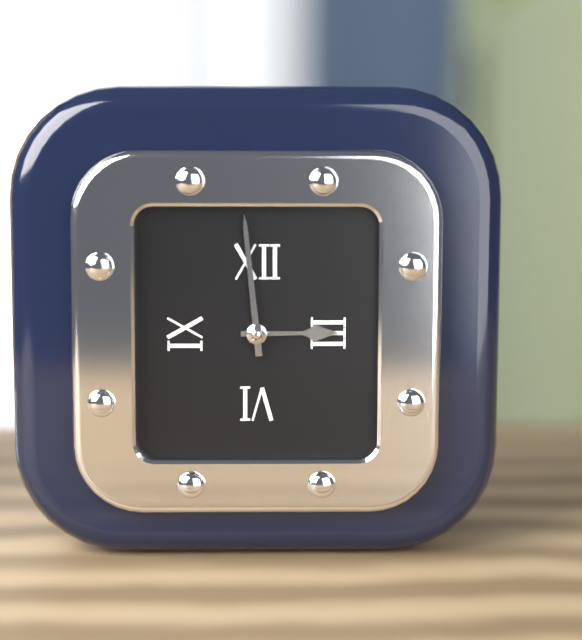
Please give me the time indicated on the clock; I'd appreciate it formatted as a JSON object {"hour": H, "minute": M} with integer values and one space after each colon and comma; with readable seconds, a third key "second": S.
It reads {"hour": 2, "minute": 59}
